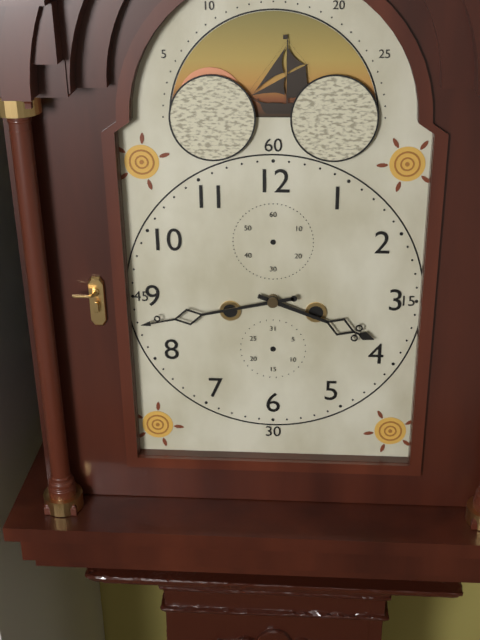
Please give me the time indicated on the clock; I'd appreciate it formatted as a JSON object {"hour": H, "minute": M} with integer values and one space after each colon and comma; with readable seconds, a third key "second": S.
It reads {"hour": 3, "minute": 43}
